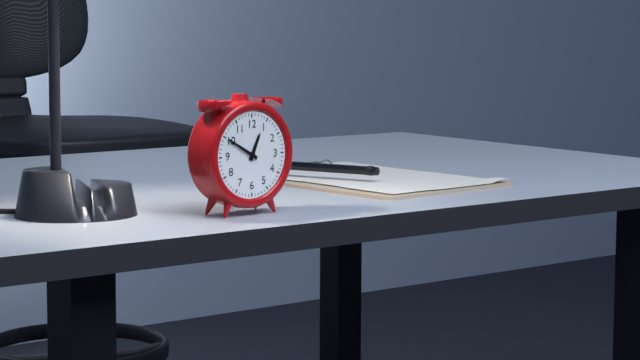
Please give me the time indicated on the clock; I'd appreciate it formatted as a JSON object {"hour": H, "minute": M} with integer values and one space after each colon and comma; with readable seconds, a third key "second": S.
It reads {"hour": 12, "minute": 50}
